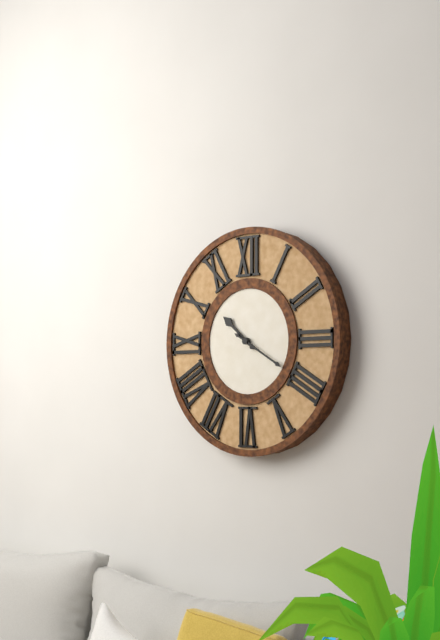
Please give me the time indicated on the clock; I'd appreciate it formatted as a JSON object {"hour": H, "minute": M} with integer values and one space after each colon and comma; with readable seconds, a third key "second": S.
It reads {"hour": 10, "minute": 20}
